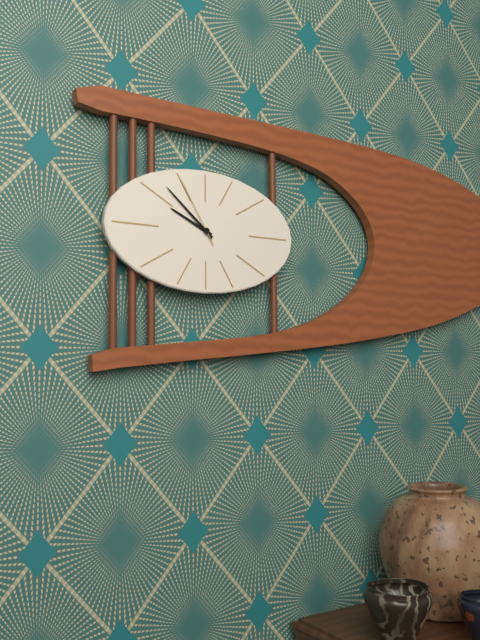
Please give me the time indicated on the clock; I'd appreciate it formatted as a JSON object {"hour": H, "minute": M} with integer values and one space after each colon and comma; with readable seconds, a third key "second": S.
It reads {"hour": 9, "minute": 52, "second": 55}
